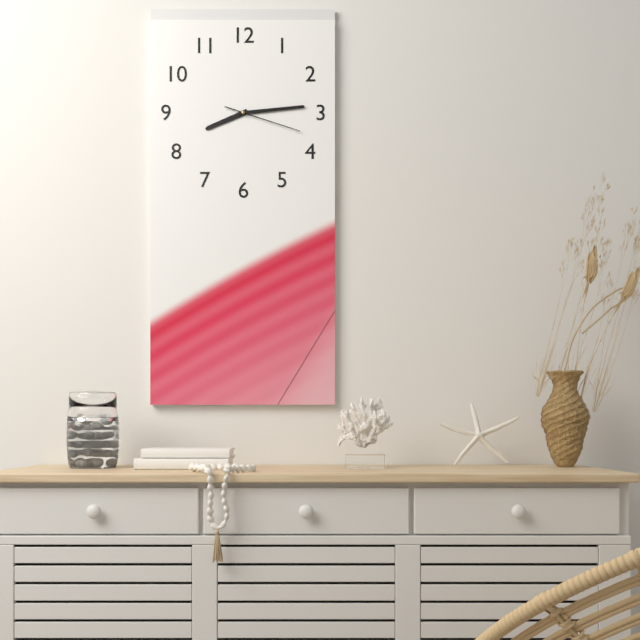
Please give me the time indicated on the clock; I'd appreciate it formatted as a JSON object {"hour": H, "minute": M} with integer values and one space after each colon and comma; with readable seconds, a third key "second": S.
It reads {"hour": 8, "minute": 14, "second": 18}
